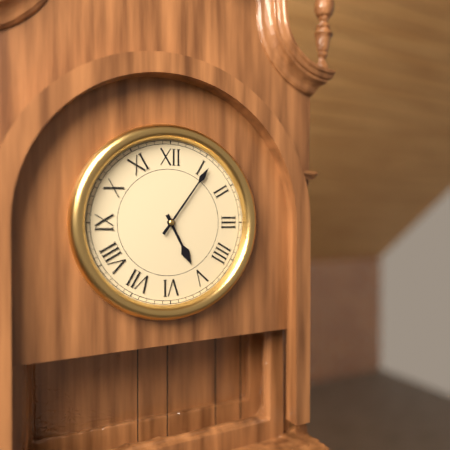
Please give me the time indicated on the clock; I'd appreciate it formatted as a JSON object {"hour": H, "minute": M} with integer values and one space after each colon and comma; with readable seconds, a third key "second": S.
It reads {"hour": 5, "minute": 6}
